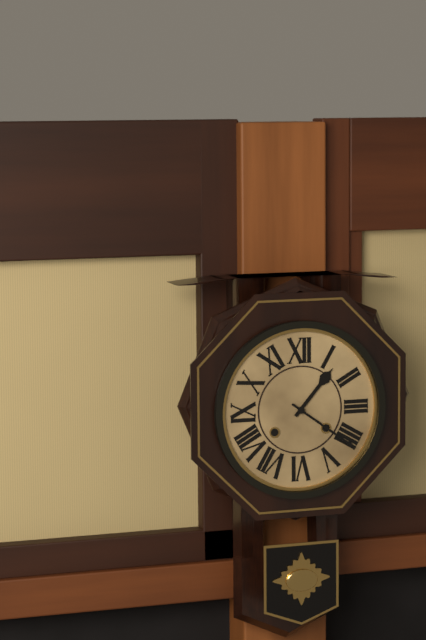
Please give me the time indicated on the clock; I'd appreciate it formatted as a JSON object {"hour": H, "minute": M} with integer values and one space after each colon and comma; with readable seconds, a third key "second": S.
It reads {"hour": 1, "minute": 21}
